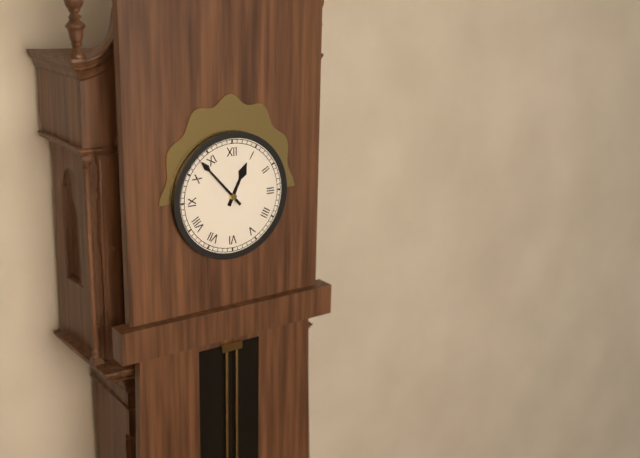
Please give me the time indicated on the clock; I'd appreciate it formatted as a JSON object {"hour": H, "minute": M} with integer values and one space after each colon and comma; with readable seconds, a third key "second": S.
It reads {"hour": 12, "minute": 53}
